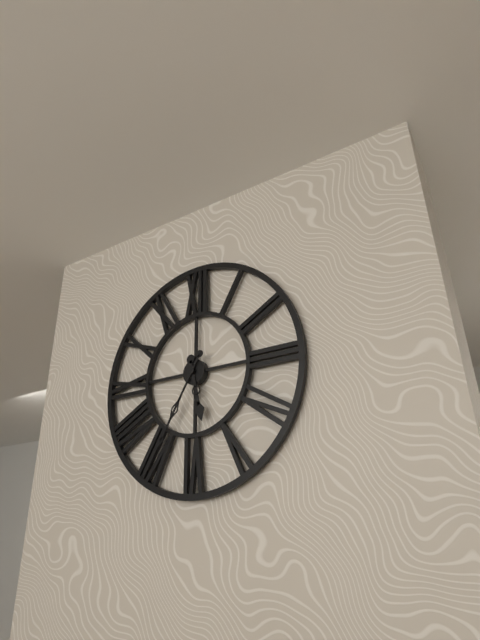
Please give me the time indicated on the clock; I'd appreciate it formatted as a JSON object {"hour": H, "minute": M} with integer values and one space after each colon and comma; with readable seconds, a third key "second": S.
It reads {"hour": 5, "minute": 35}
